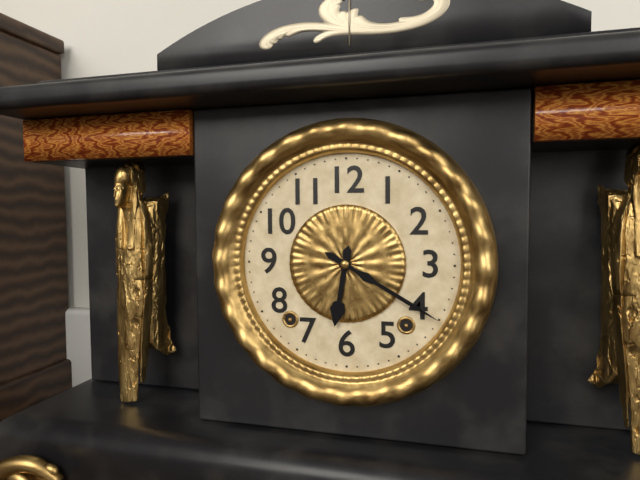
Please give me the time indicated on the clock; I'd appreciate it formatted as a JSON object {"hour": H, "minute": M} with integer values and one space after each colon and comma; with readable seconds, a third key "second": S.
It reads {"hour": 6, "minute": 20}
